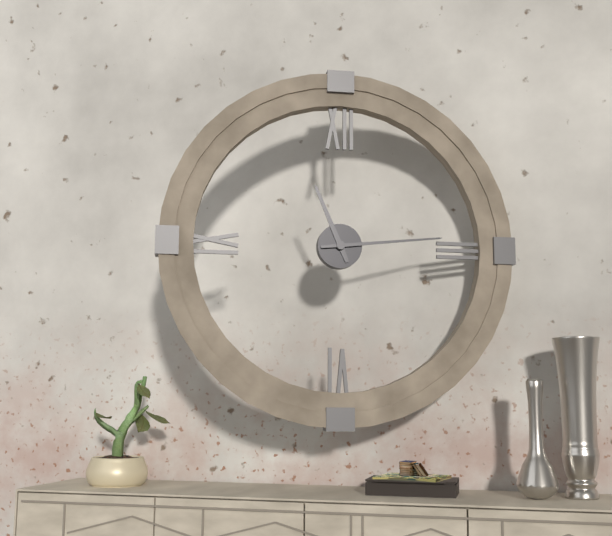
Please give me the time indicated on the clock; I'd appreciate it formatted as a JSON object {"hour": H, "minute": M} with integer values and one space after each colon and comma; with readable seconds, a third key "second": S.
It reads {"hour": 11, "minute": 14}
